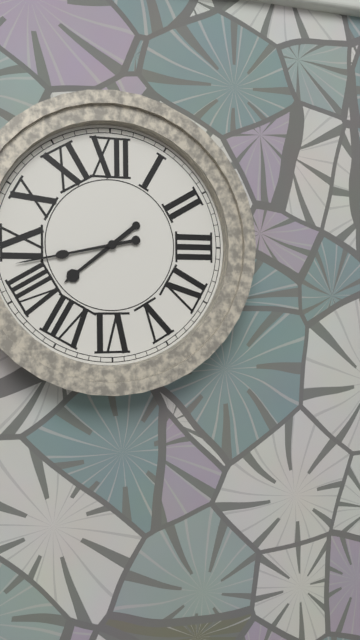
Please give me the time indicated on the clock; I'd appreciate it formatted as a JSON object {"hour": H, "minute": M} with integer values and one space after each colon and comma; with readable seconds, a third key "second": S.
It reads {"hour": 7, "minute": 43}
